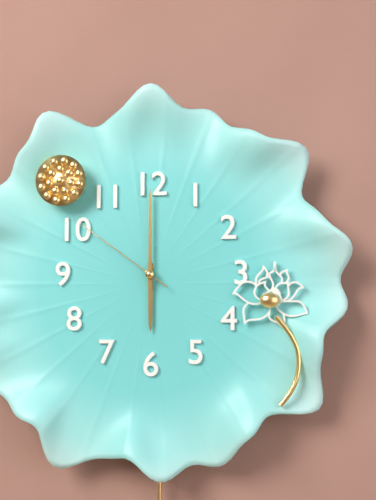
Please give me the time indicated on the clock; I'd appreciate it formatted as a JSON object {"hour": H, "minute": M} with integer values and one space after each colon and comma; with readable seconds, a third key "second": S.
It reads {"hour": 6, "minute": 0, "second": 51}
